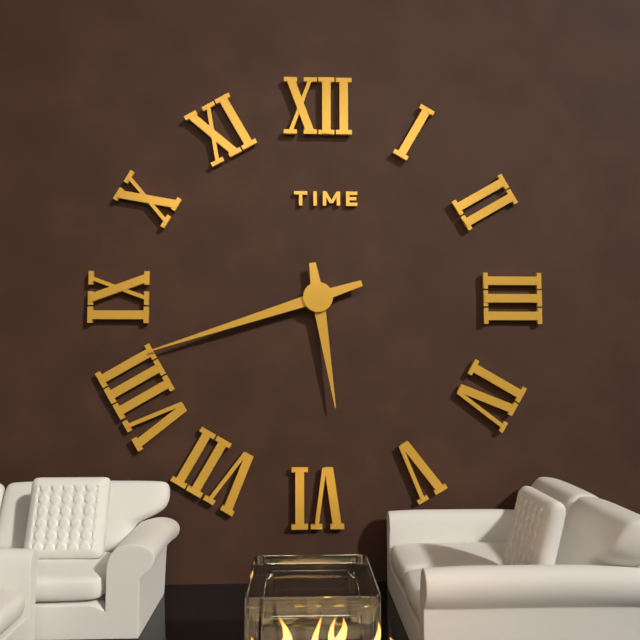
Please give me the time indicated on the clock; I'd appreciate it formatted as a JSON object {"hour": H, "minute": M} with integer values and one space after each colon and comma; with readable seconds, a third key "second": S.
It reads {"hour": 5, "minute": 42}
